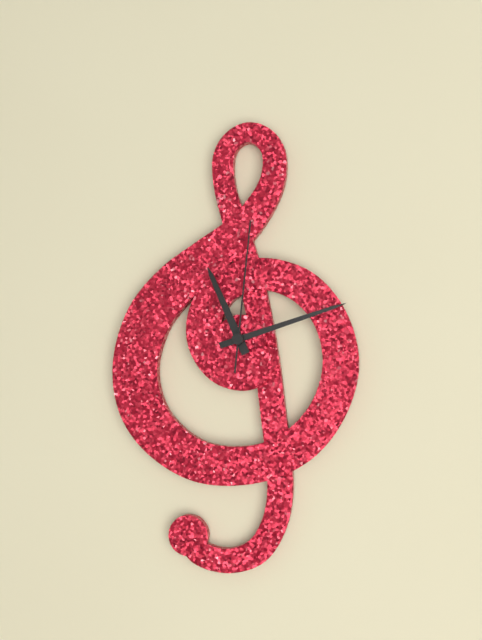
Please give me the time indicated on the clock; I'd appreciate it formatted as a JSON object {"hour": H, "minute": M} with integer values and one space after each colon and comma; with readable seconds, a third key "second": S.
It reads {"hour": 11, "minute": 12, "second": 1}
